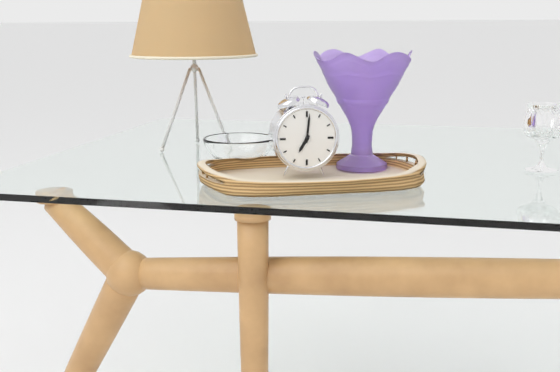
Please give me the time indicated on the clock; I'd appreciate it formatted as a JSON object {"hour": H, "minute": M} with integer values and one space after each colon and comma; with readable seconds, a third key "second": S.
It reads {"hour": 7, "minute": 1}
